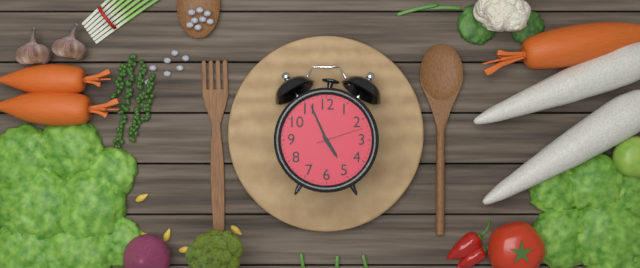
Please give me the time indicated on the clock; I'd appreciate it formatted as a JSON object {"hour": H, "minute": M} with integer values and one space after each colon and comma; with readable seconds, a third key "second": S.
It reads {"hour": 4, "minute": 56}
